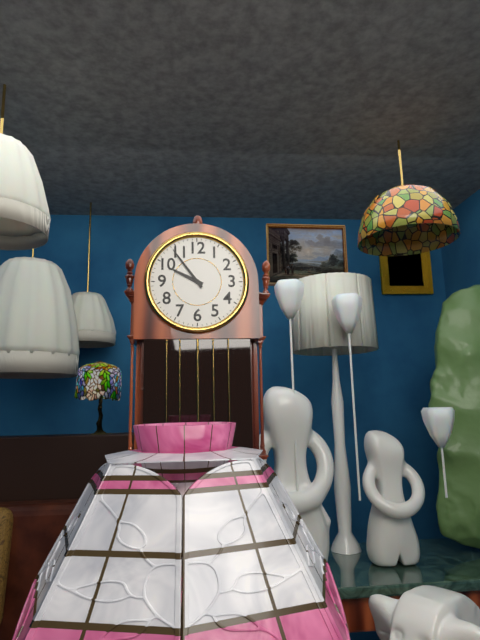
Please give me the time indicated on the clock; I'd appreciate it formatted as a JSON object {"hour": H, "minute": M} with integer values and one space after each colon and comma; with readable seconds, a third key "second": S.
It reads {"hour": 9, "minute": 54}
